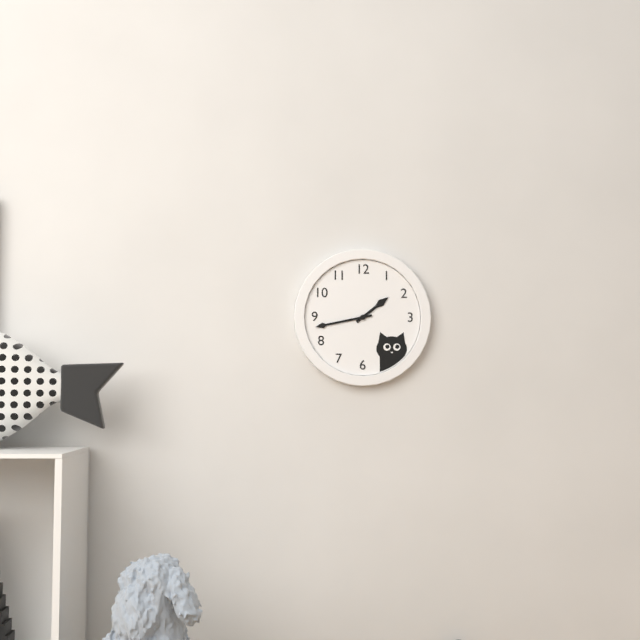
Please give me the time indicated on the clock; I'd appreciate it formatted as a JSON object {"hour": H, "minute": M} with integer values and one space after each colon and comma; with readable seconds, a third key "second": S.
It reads {"hour": 1, "minute": 43}
